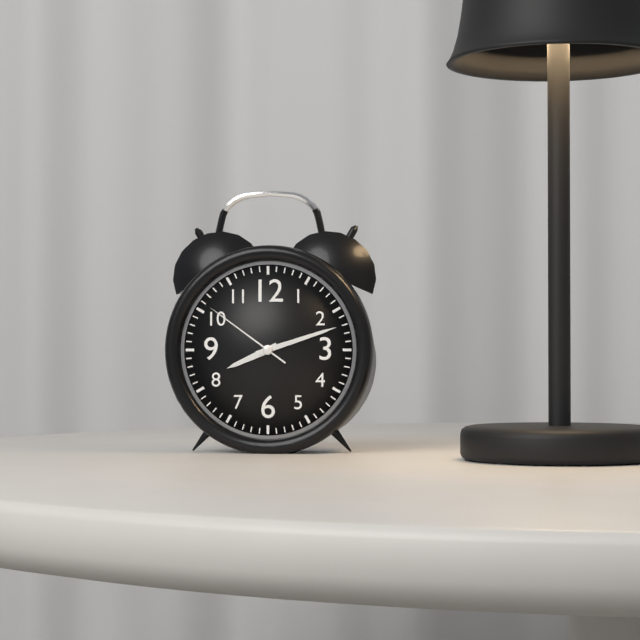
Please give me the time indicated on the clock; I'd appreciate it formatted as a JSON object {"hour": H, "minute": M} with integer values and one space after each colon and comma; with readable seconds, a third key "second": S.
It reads {"hour": 8, "minute": 12, "second": 51}
